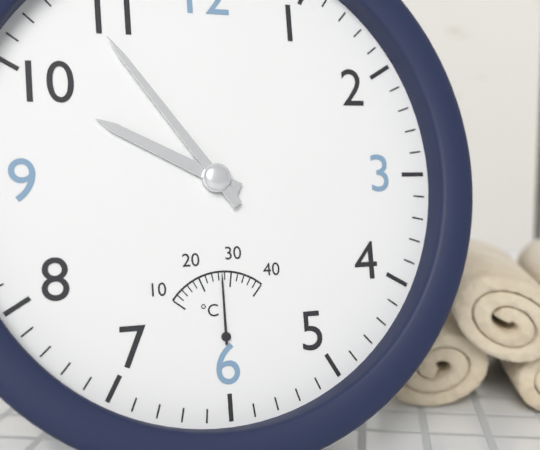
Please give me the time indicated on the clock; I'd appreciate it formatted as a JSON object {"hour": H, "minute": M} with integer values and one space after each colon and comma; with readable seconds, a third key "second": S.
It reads {"hour": 9, "minute": 54}
